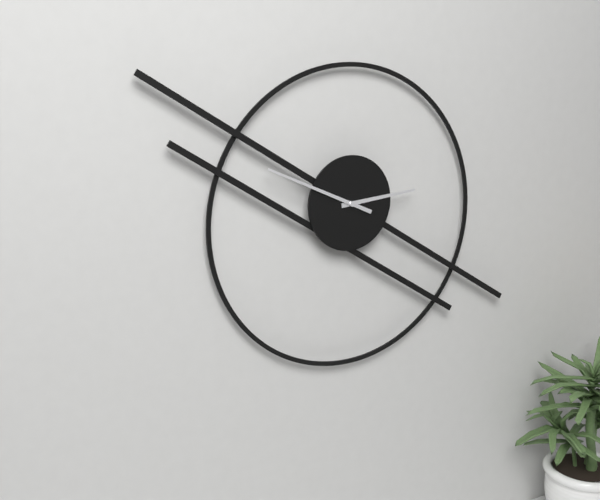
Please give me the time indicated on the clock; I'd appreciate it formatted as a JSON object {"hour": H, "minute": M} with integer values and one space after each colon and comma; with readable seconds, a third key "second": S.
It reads {"hour": 2, "minute": 49}
